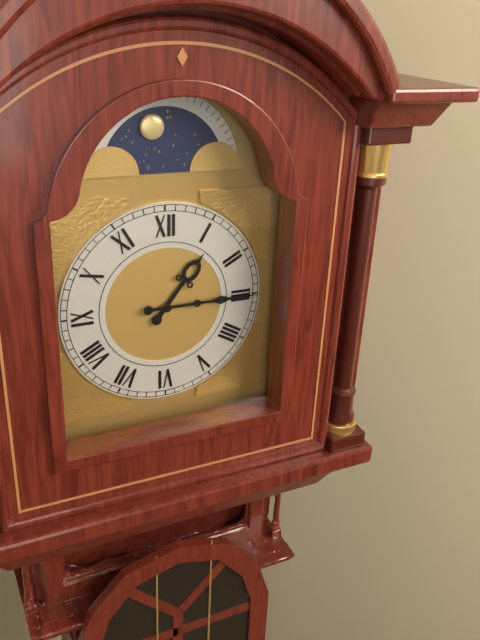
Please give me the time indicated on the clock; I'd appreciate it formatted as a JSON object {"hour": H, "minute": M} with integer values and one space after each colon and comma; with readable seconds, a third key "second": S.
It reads {"hour": 1, "minute": 15}
